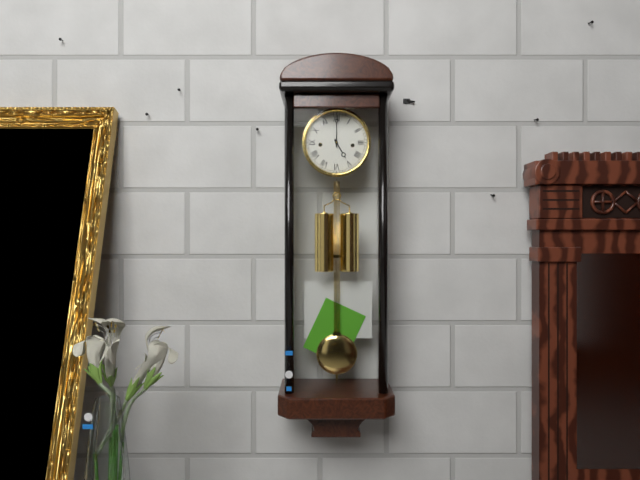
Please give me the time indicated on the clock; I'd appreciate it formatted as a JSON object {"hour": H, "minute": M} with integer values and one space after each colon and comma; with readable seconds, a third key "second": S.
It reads {"hour": 5, "minute": 0}
